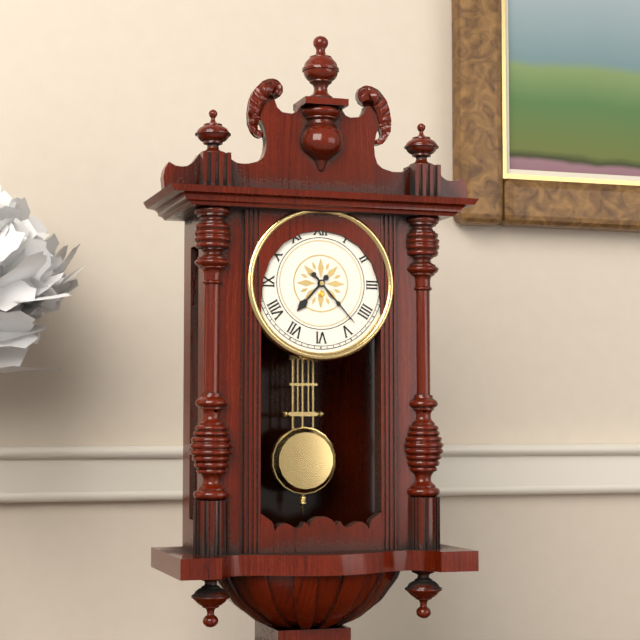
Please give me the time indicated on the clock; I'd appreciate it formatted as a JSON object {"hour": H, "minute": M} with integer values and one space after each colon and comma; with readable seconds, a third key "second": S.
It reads {"hour": 7, "minute": 23}
